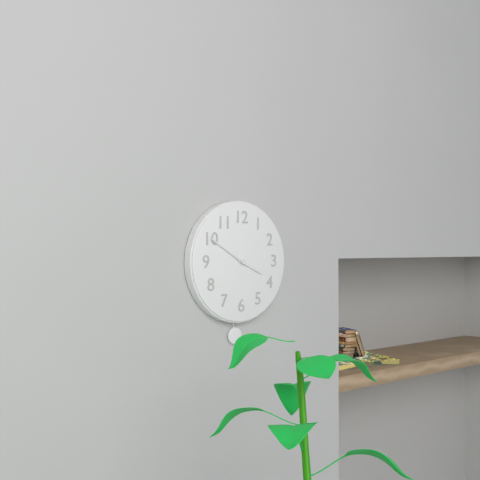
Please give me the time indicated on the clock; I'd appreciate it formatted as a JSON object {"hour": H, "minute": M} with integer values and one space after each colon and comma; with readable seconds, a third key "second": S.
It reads {"hour": 3, "minute": 50}
